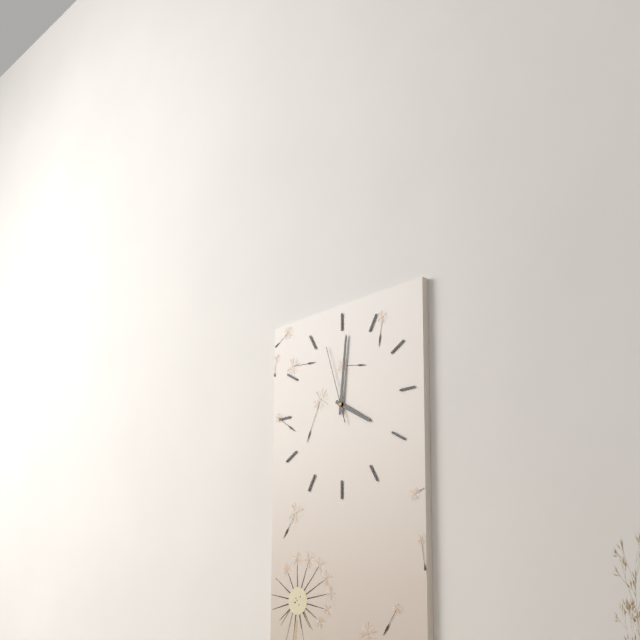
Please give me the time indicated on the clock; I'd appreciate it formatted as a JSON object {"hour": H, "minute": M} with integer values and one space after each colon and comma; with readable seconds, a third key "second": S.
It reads {"hour": 4, "minute": 1, "second": 57}
